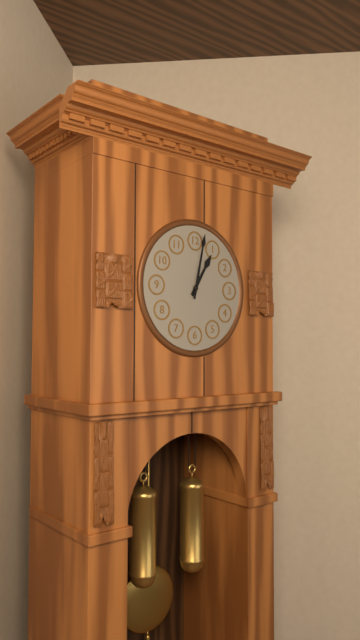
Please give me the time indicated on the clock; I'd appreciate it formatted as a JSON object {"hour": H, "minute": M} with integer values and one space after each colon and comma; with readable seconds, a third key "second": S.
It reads {"hour": 1, "minute": 2}
